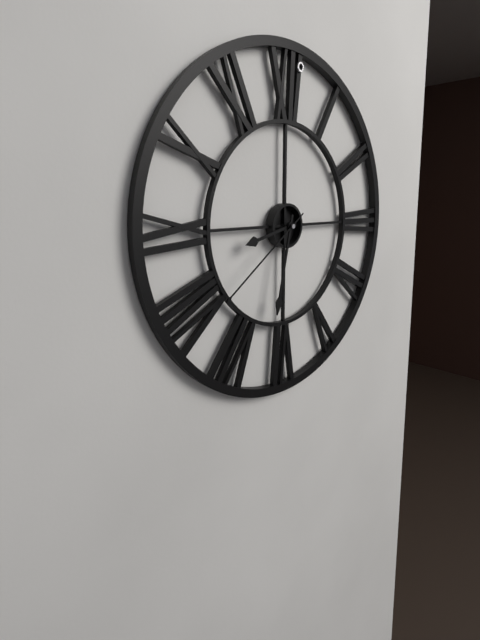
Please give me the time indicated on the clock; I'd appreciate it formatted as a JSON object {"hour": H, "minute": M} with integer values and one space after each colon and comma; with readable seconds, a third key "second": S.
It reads {"hour": 8, "minute": 32, "second": 39}
